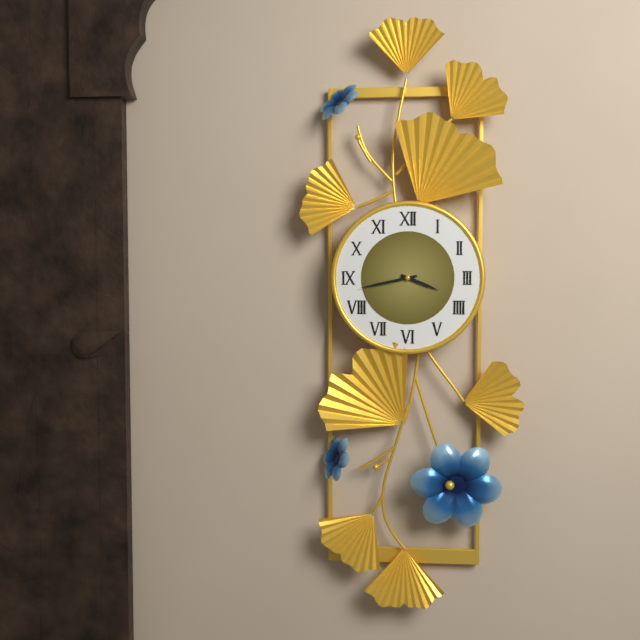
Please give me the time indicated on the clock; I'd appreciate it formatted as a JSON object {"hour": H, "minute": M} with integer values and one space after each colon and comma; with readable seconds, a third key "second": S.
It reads {"hour": 3, "minute": 43}
